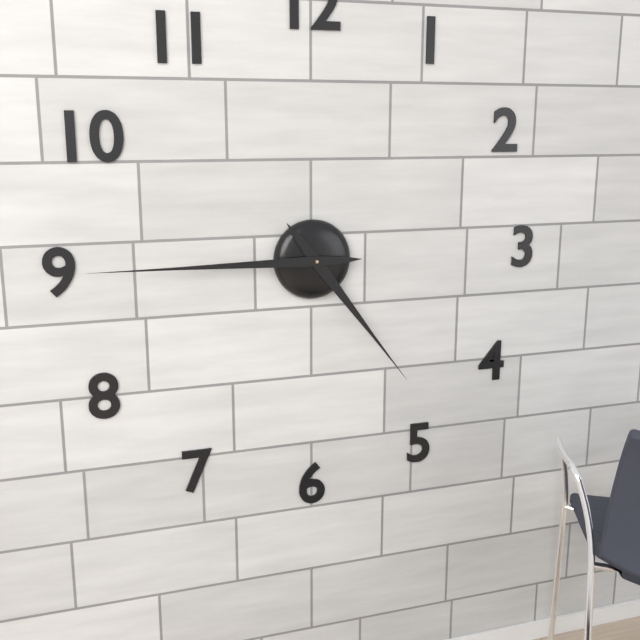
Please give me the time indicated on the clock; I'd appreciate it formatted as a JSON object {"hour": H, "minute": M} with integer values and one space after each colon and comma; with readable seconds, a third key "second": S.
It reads {"hour": 4, "minute": 45}
